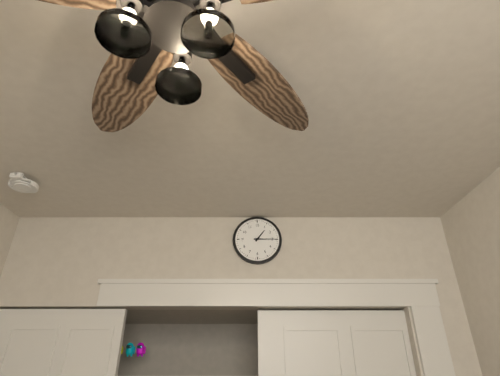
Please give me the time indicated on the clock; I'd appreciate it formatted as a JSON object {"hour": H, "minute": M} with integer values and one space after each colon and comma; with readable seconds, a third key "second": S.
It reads {"hour": 1, "minute": 15}
